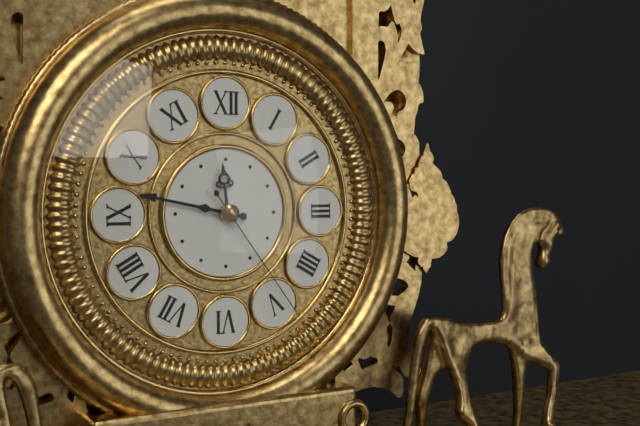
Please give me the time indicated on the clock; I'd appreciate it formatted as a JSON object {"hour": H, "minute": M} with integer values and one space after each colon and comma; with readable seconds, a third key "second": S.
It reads {"hour": 11, "minute": 47, "second": 24}
